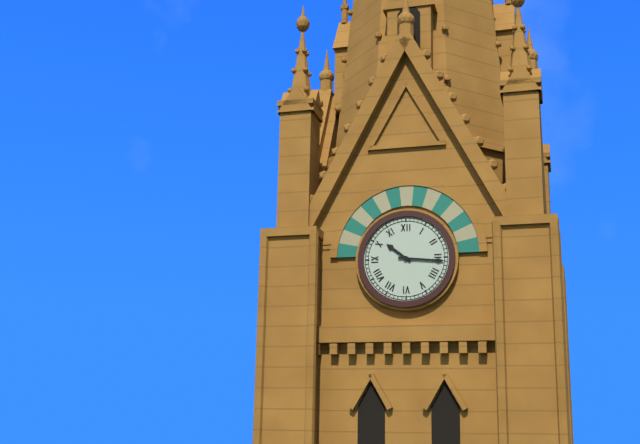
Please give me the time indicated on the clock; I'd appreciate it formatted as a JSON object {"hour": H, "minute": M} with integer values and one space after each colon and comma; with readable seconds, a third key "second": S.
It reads {"hour": 10, "minute": 16}
